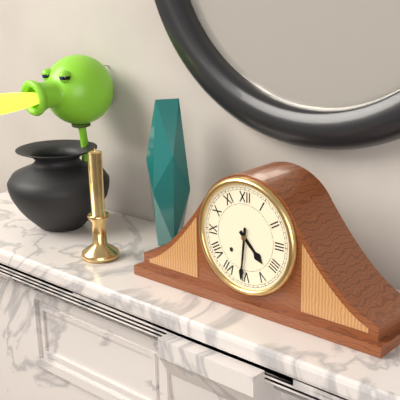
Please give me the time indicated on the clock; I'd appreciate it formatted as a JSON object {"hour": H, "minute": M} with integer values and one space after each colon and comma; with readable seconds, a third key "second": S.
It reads {"hour": 4, "minute": 31}
